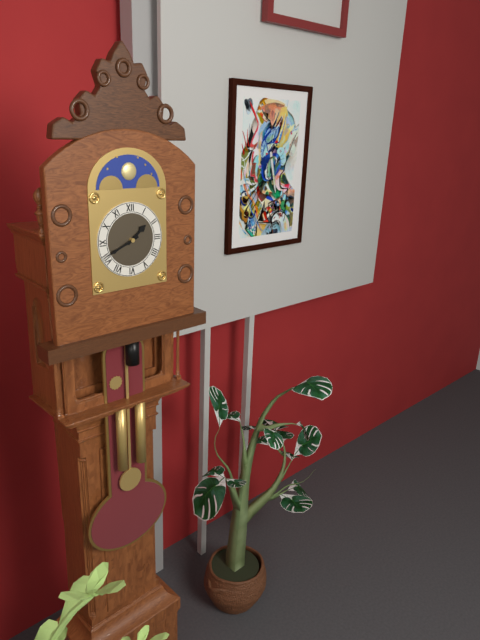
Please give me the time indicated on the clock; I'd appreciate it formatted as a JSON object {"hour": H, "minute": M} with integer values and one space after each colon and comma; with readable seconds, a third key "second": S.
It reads {"hour": 1, "minute": 41}
